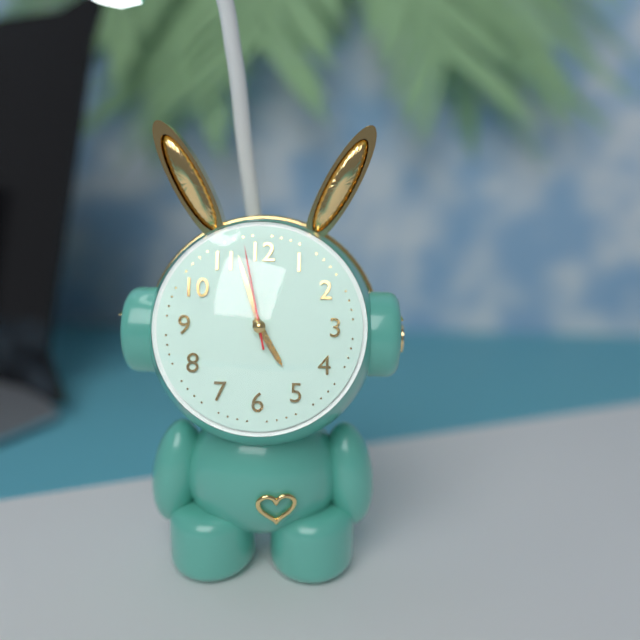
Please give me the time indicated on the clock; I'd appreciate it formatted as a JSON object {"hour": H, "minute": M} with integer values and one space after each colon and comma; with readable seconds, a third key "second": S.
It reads {"hour": 4, "minute": 57, "second": 58}
